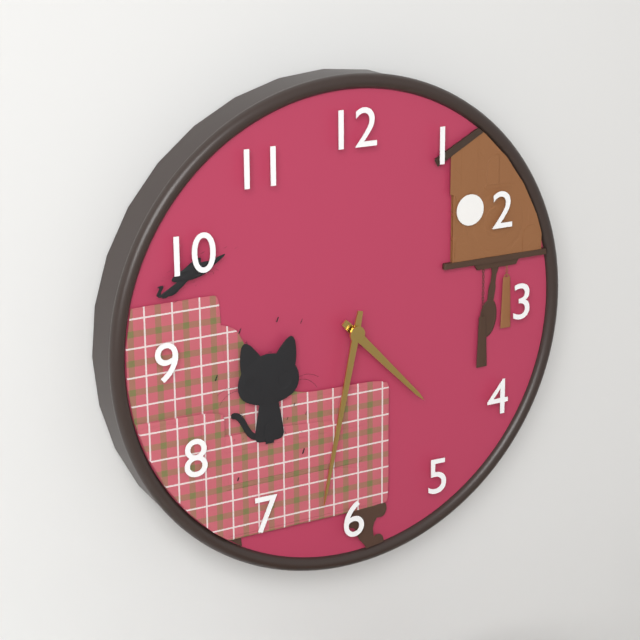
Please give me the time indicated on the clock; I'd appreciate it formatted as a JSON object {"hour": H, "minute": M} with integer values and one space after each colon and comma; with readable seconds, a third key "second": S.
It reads {"hour": 4, "minute": 32}
